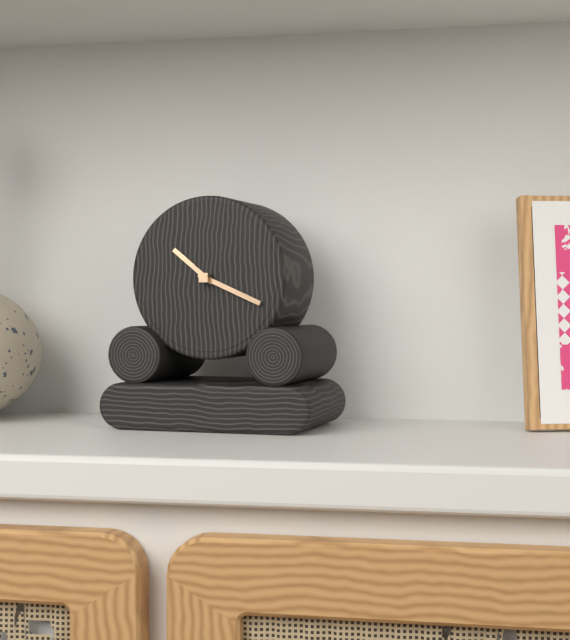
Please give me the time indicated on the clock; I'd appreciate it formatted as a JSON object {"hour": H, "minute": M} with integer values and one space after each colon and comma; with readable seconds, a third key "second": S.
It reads {"hour": 10, "minute": 19}
